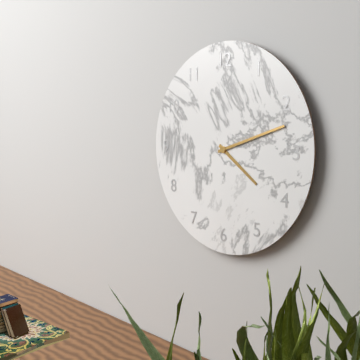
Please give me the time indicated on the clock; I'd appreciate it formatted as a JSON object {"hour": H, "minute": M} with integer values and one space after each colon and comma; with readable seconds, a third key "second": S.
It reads {"hour": 4, "minute": 12}
